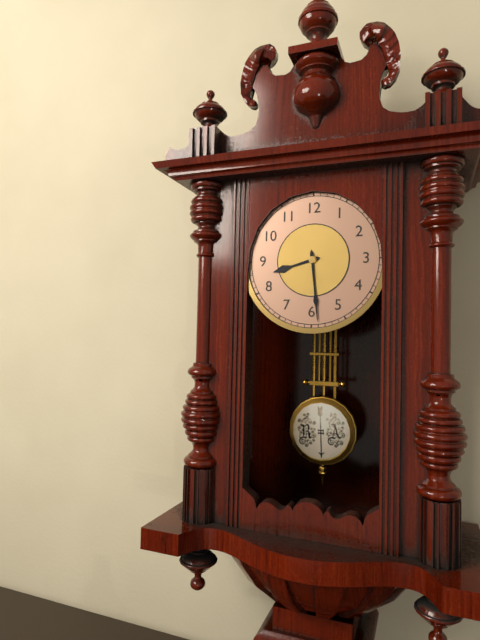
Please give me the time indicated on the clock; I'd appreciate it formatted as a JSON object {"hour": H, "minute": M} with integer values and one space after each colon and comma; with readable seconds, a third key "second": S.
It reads {"hour": 8, "minute": 29}
